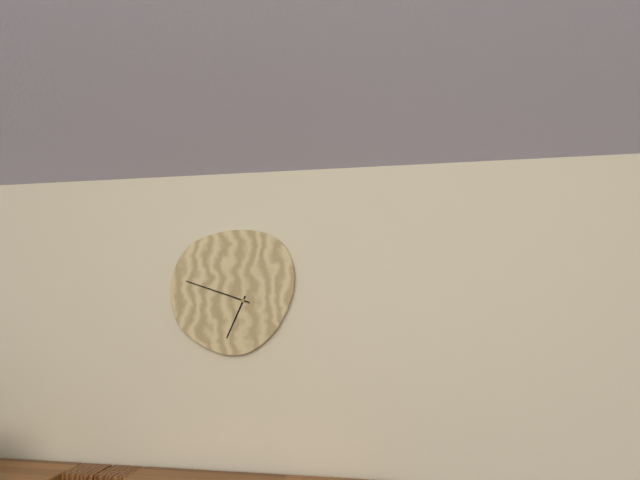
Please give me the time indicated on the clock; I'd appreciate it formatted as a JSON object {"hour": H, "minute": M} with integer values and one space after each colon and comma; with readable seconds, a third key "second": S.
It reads {"hour": 6, "minute": 48}
